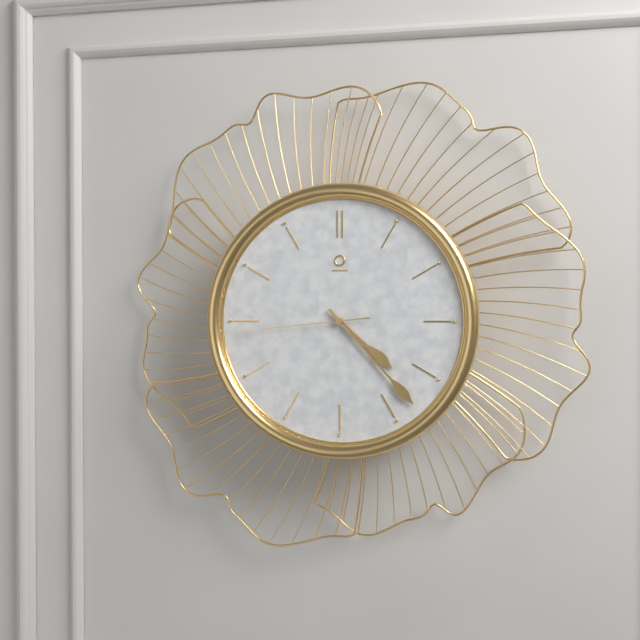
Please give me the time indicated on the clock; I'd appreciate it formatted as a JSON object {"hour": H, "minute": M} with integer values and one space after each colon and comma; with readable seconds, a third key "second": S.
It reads {"hour": 4, "minute": 23, "second": 44}
